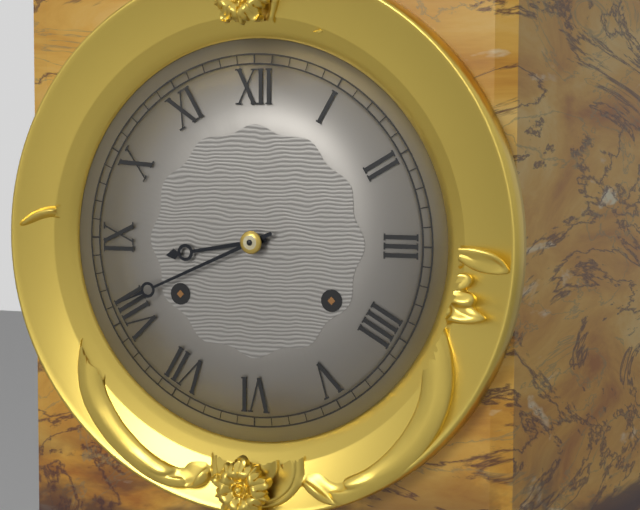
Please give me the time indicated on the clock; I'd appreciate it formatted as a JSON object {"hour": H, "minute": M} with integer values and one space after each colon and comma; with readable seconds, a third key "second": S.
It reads {"hour": 8, "minute": 41}
